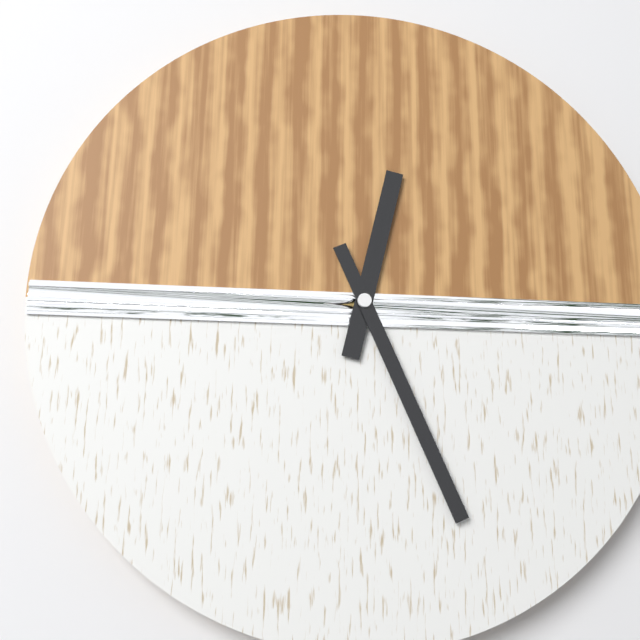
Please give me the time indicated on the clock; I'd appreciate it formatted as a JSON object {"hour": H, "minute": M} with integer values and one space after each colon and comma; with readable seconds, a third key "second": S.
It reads {"hour": 12, "minute": 26}
